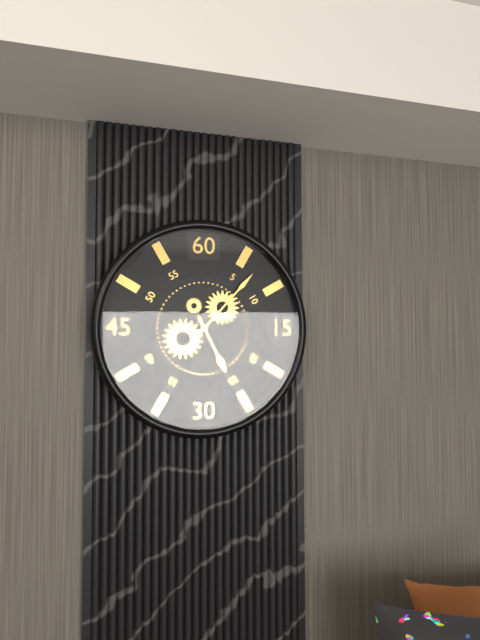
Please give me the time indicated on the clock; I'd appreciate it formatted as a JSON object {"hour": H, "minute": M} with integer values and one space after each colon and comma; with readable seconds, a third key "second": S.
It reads {"hour": 5, "minute": 7}
